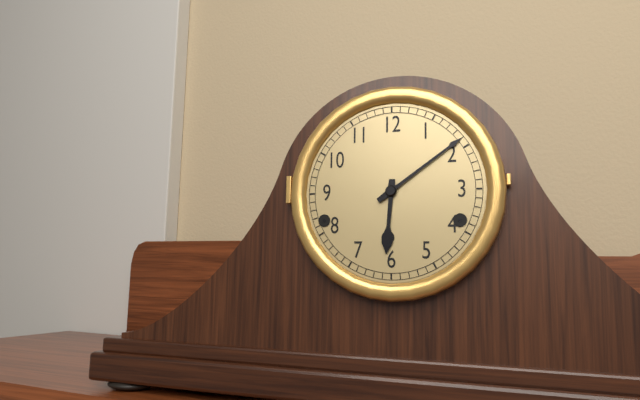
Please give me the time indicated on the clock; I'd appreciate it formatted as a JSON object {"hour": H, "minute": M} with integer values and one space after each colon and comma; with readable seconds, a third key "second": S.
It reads {"hour": 6, "minute": 9}
